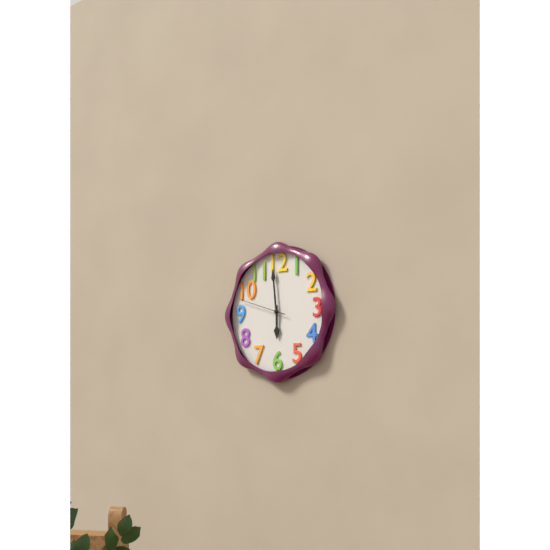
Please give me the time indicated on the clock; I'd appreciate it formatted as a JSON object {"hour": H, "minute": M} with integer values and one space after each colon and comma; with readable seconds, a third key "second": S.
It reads {"hour": 5, "minute": 59}
